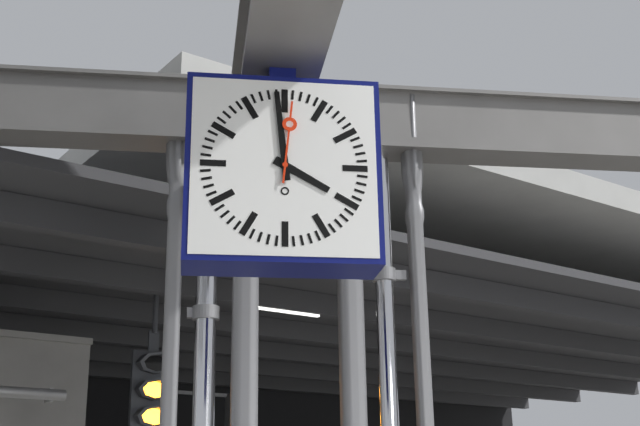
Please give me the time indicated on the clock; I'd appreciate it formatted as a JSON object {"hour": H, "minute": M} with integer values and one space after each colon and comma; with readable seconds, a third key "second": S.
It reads {"hour": 3, "minute": 59, "second": 1}
